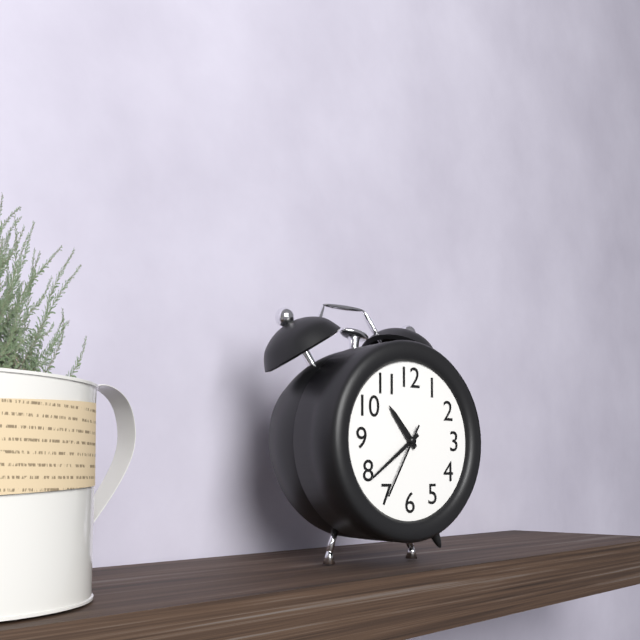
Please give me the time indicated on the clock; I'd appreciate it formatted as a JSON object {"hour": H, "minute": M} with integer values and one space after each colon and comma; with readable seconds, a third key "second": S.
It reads {"hour": 10, "minute": 39, "second": 35}
